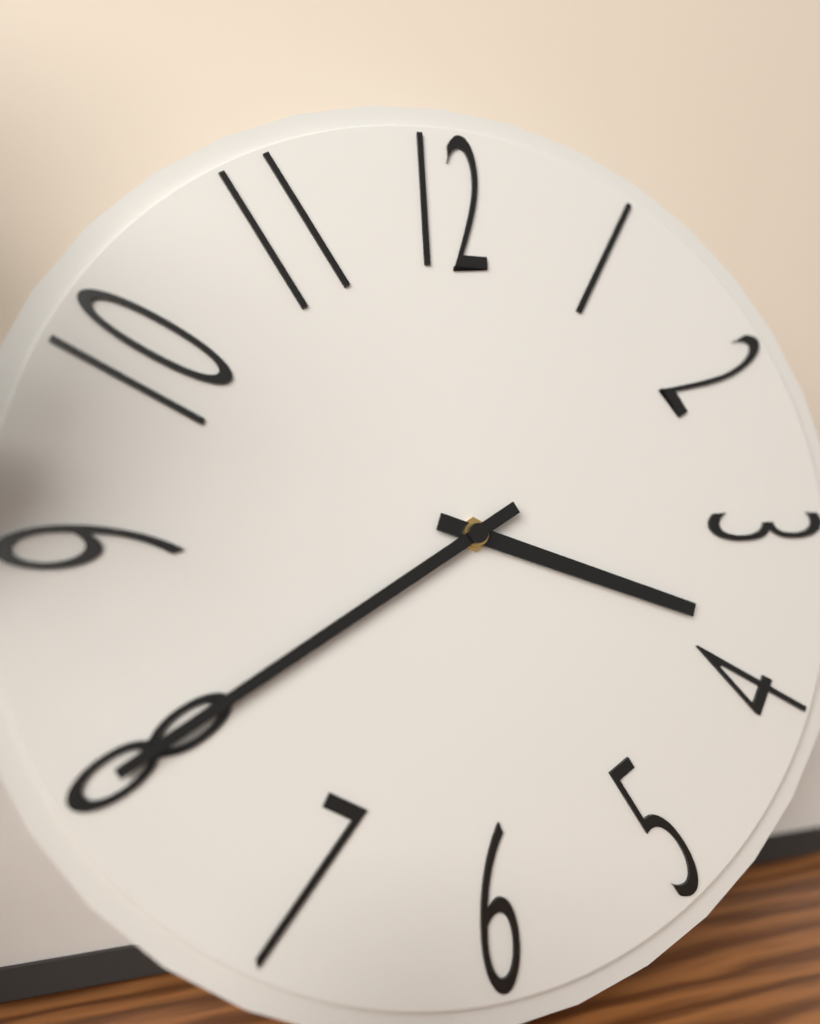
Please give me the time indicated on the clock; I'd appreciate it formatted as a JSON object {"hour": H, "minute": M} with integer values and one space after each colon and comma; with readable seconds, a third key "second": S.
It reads {"hour": 3, "minute": 40}
